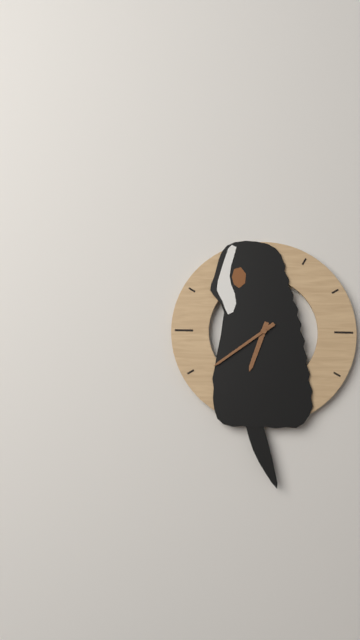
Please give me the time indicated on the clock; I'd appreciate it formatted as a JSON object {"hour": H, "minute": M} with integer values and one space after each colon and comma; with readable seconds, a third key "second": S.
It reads {"hour": 6, "minute": 39}
